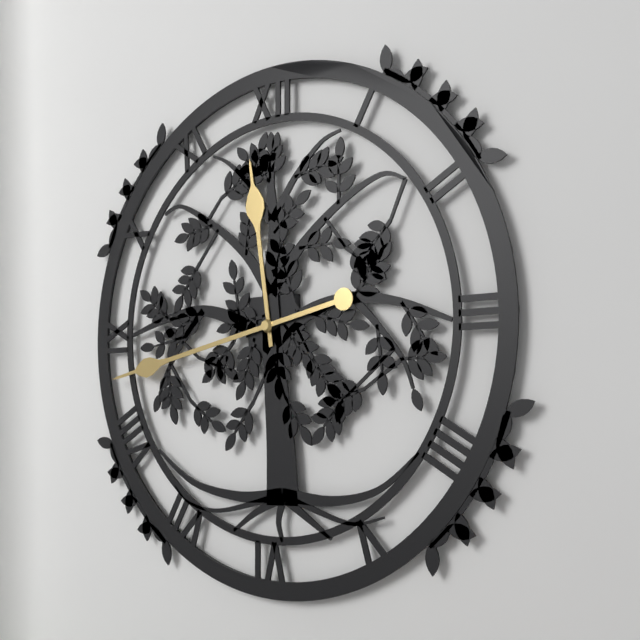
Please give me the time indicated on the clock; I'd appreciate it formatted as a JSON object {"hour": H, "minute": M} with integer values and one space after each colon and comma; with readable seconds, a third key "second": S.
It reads {"hour": 11, "minute": 43}
